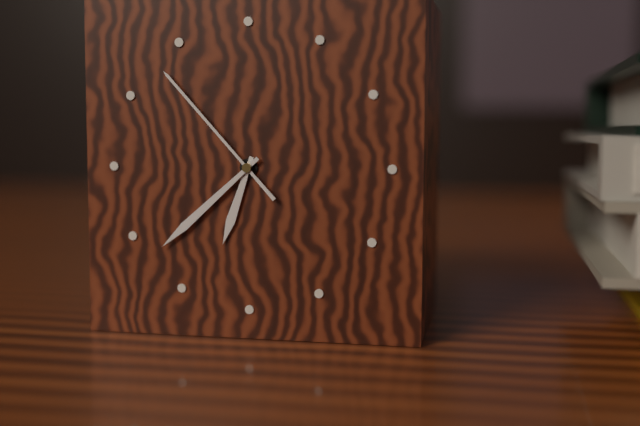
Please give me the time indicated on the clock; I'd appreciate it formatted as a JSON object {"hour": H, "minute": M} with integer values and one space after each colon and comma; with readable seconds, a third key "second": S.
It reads {"hour": 6, "minute": 38, "second": 53}
